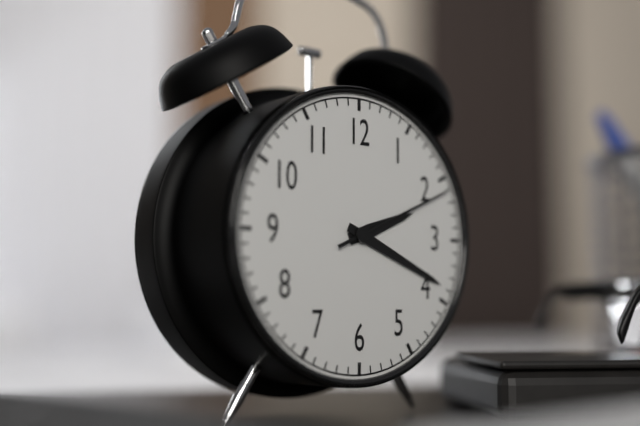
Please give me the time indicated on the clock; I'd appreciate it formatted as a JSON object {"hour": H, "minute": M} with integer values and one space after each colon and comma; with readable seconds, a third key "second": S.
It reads {"hour": 2, "minute": 19, "second": 11}
